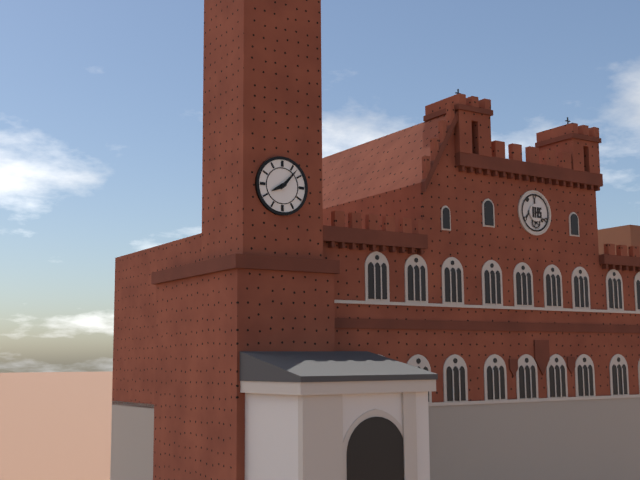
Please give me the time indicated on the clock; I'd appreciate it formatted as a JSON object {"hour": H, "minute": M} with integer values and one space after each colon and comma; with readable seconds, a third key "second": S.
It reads {"hour": 8, "minute": 7}
